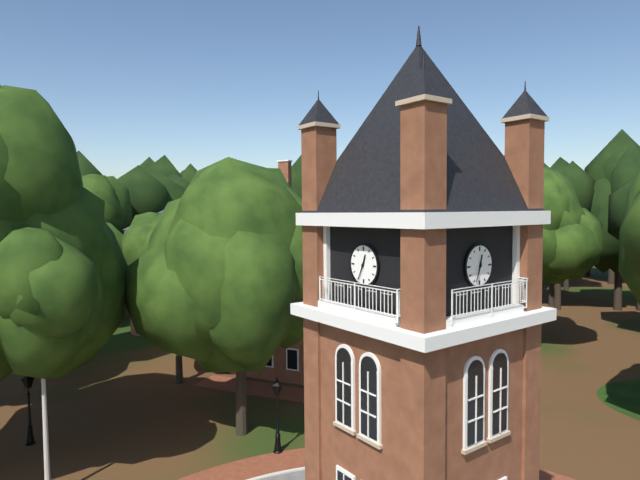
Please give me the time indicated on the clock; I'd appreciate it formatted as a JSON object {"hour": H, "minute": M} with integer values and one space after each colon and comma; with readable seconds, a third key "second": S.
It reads {"hour": 12, "minute": 34}
